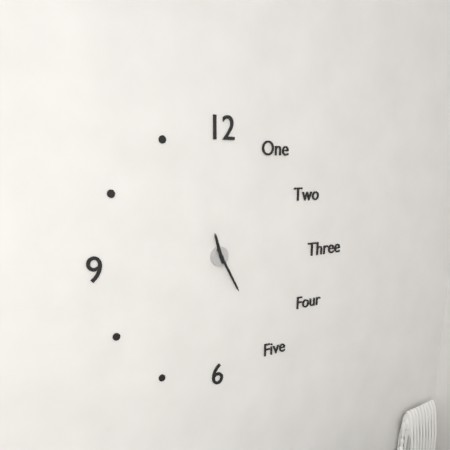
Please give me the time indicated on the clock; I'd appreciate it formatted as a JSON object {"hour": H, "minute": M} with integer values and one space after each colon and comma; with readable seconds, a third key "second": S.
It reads {"hour": 11, "minute": 25}
